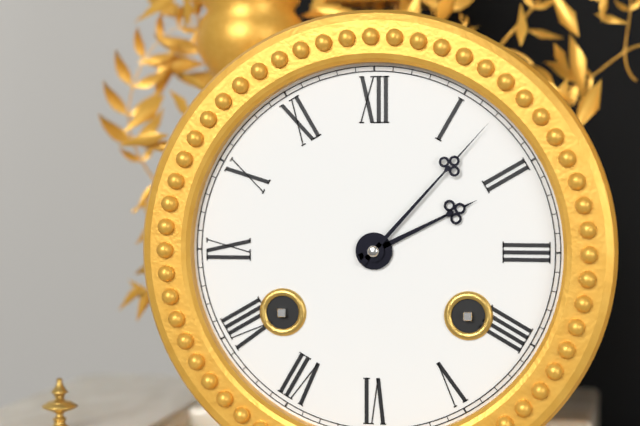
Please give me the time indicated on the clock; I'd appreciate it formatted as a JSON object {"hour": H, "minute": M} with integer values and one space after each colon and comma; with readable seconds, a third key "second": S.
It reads {"hour": 2, "minute": 7}
